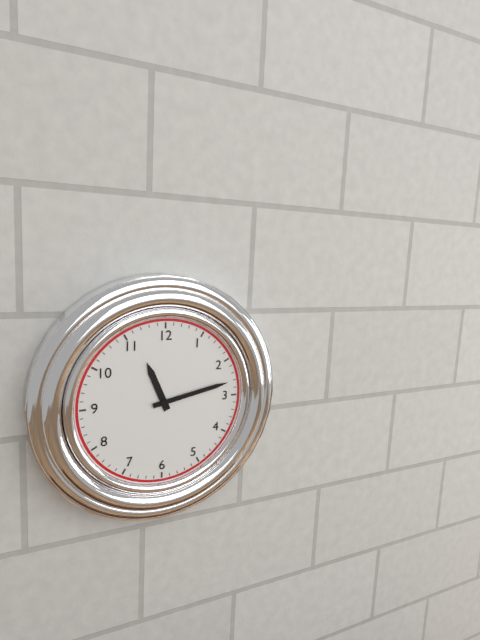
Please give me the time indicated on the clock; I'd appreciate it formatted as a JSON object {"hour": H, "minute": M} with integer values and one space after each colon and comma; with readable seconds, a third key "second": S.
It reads {"hour": 11, "minute": 13}
